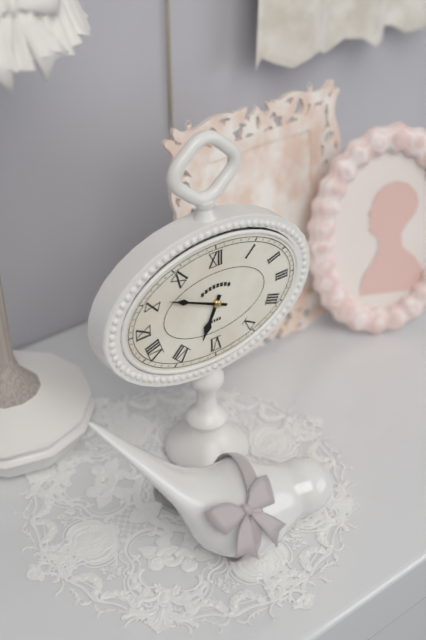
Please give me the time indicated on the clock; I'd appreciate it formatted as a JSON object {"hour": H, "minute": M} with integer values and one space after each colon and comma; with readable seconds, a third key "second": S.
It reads {"hour": 6, "minute": 49}
